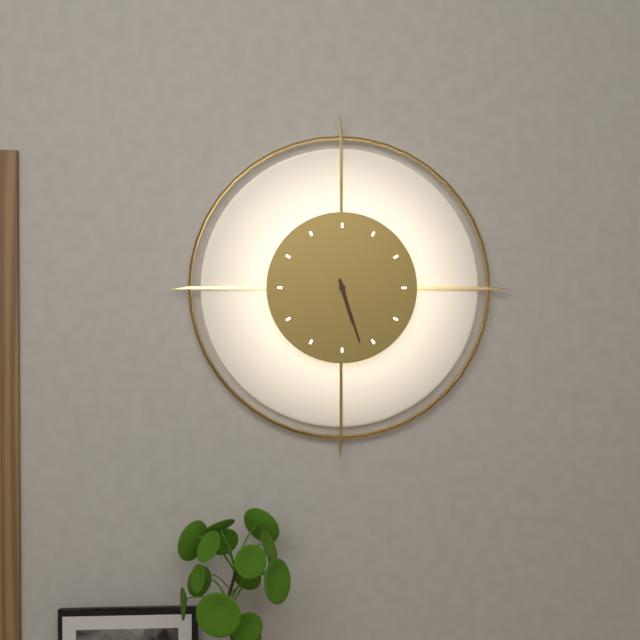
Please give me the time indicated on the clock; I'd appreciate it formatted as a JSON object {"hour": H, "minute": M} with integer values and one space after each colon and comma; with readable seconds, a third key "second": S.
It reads {"hour": 5, "minute": 27}
